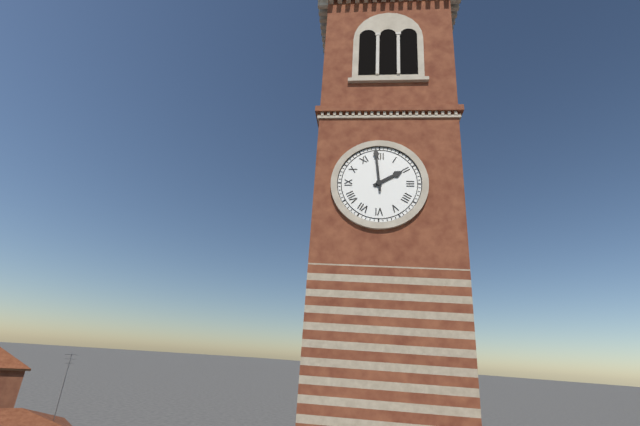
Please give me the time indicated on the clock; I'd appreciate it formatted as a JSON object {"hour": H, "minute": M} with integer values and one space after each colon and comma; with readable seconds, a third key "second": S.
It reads {"hour": 1, "minute": 59}
